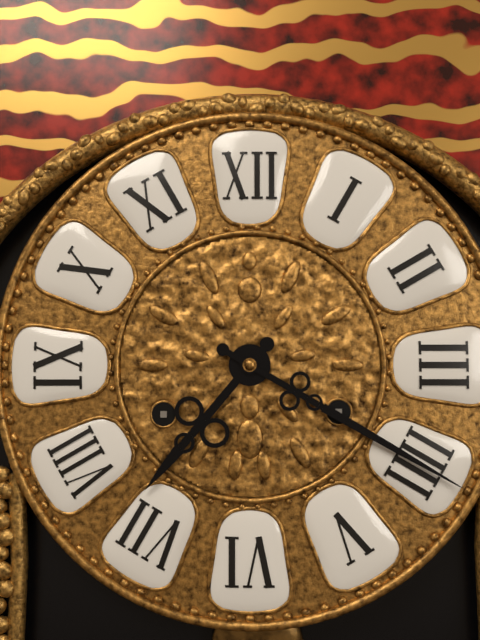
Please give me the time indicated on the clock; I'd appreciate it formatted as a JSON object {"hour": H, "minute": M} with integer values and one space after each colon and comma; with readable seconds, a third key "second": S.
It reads {"hour": 7, "minute": 20}
